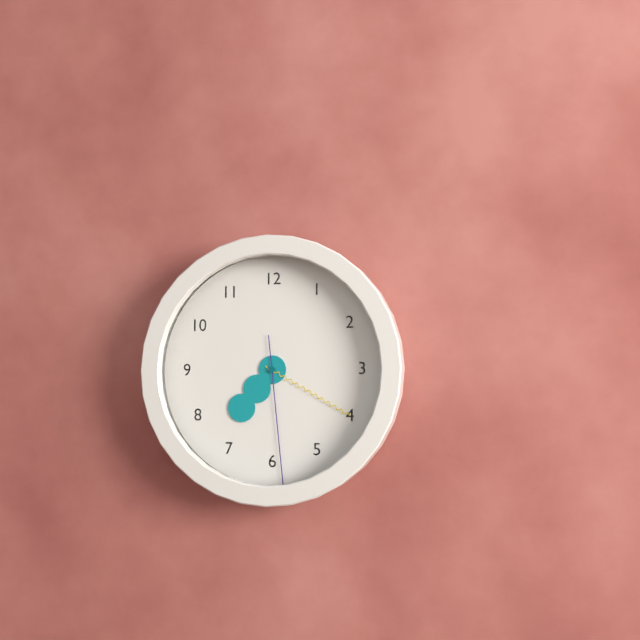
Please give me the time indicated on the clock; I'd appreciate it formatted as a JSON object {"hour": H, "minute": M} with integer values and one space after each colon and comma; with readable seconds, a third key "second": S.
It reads {"hour": 7, "minute": 20, "second": 29}
